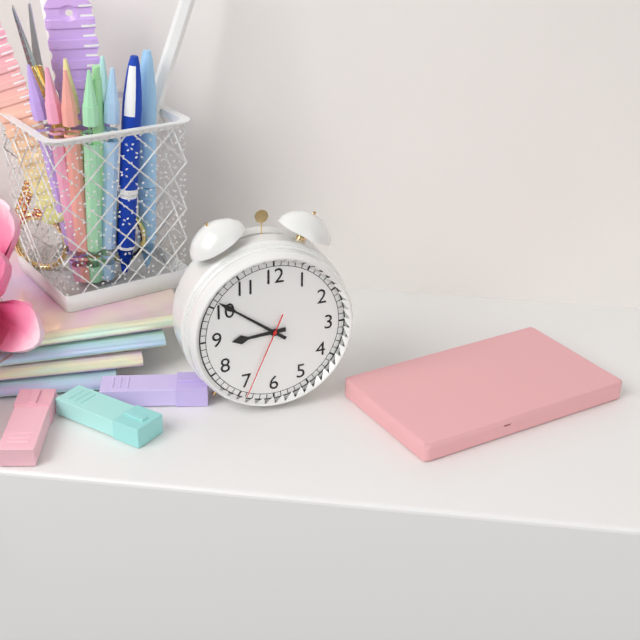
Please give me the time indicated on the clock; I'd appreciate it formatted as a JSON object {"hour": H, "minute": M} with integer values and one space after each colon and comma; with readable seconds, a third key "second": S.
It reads {"hour": 8, "minute": 51, "second": 34}
